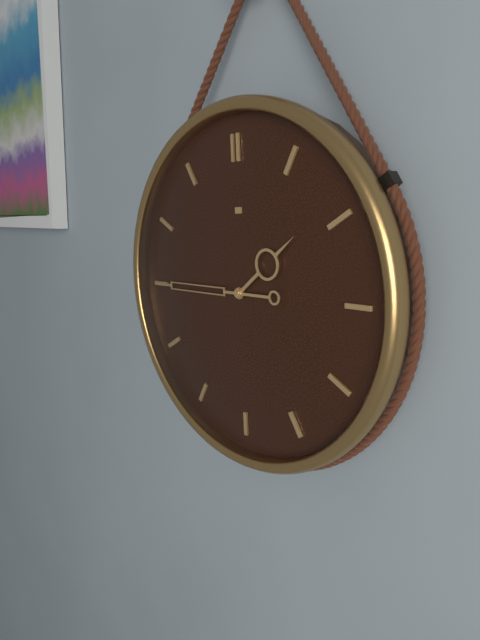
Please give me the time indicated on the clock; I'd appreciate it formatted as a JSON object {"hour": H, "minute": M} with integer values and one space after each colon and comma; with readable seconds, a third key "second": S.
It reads {"hour": 1, "minute": 45}
